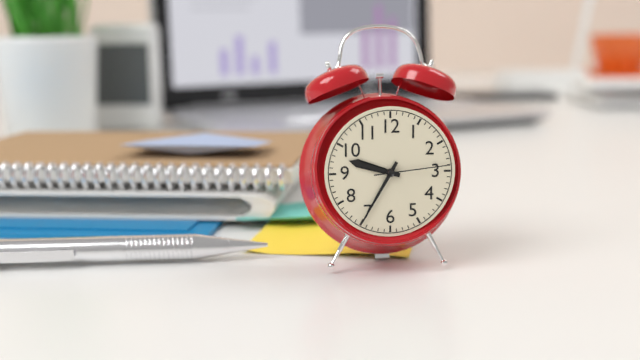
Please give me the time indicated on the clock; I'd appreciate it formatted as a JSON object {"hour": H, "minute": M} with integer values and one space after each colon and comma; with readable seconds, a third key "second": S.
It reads {"hour": 9, "minute": 35, "second": 14}
